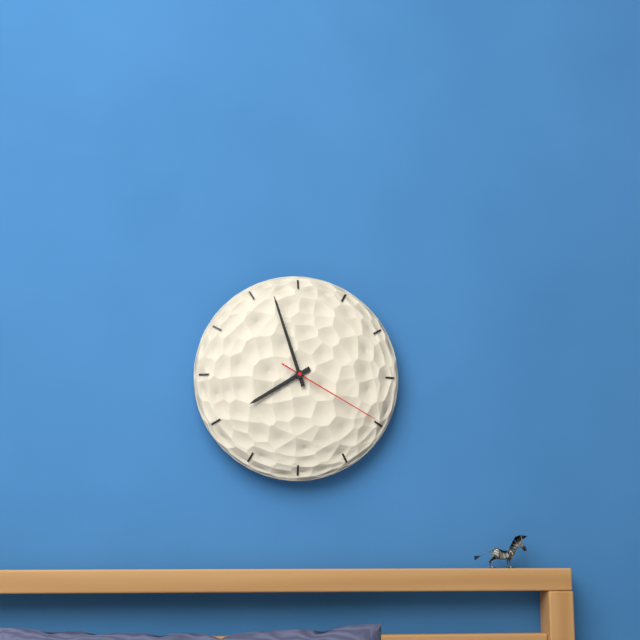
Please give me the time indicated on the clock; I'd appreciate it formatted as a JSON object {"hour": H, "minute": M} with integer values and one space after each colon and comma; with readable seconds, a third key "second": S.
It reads {"hour": 7, "minute": 57, "second": 20}
